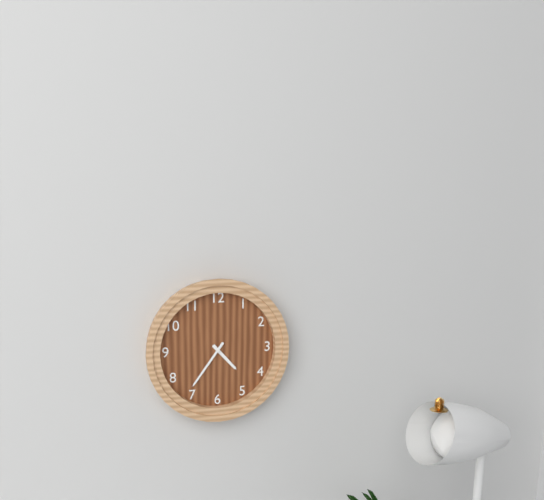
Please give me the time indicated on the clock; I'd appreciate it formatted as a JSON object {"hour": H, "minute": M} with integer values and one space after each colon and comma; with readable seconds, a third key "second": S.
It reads {"hour": 4, "minute": 36}
